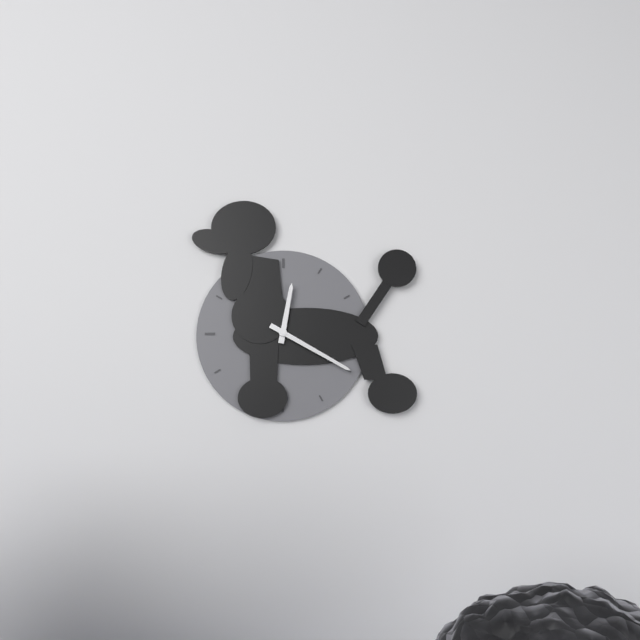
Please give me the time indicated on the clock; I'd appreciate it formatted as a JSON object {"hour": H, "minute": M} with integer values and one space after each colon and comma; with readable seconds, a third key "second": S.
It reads {"hour": 12, "minute": 20}
